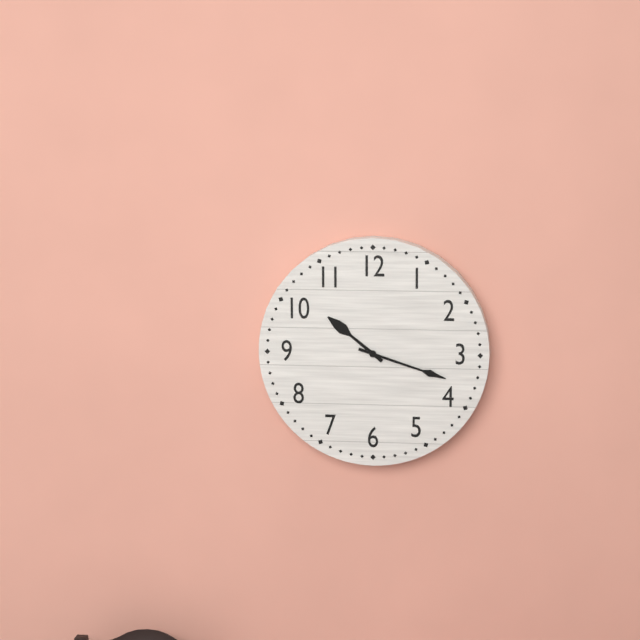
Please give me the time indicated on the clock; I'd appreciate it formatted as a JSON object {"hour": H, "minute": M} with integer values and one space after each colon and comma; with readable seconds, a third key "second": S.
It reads {"hour": 10, "minute": 18}
